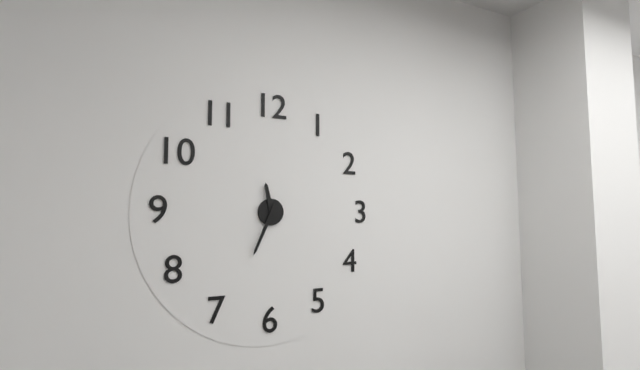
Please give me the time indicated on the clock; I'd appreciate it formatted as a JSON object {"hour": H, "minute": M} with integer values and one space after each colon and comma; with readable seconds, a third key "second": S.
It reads {"hour": 11, "minute": 34}
